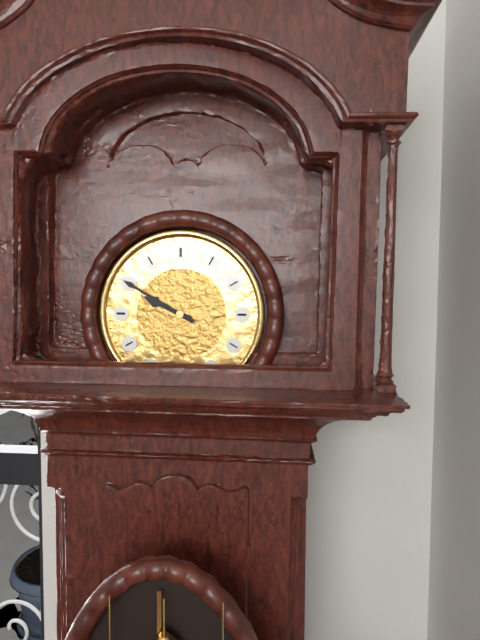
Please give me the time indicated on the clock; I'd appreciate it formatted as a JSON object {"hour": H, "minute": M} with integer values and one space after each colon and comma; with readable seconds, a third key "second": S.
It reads {"hour": 9, "minute": 50}
